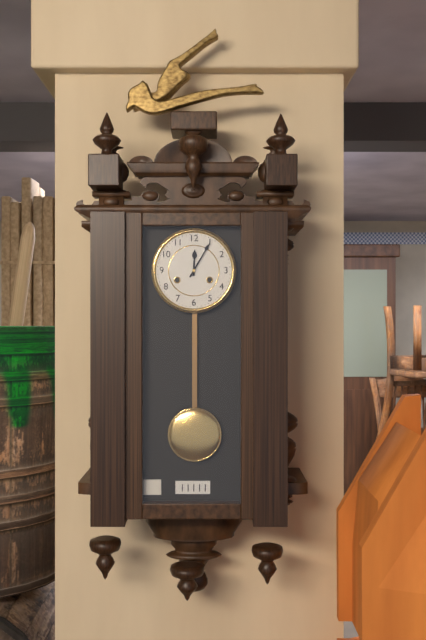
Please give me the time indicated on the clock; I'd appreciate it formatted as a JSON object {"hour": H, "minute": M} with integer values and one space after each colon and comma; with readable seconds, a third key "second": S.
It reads {"hour": 12, "minute": 5}
